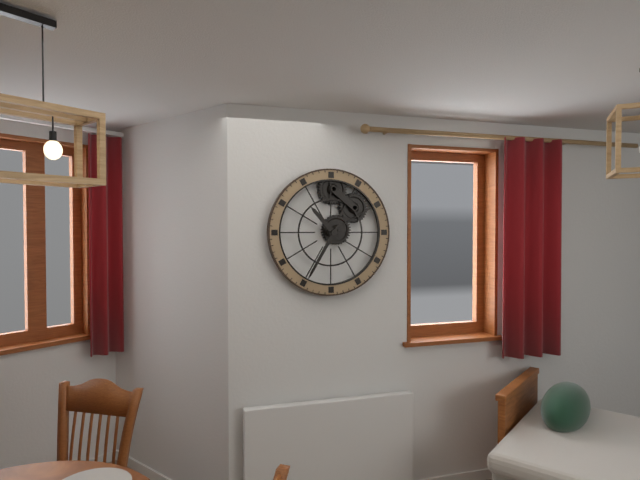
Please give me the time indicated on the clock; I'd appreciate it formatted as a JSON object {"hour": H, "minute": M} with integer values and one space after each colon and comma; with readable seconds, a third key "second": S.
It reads {"hour": 10, "minute": 35}
